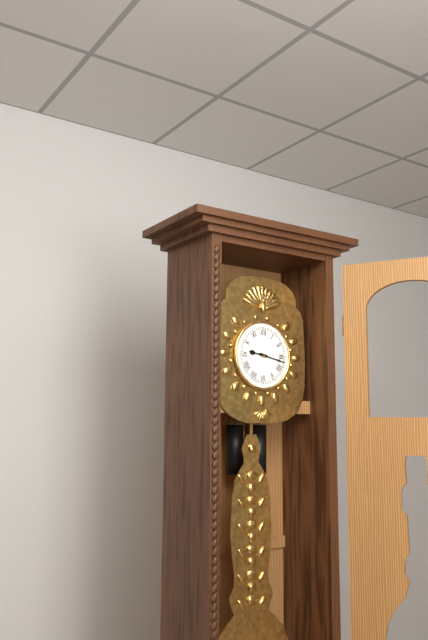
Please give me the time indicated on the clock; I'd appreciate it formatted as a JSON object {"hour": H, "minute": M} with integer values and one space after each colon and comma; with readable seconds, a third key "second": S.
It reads {"hour": 9, "minute": 17}
